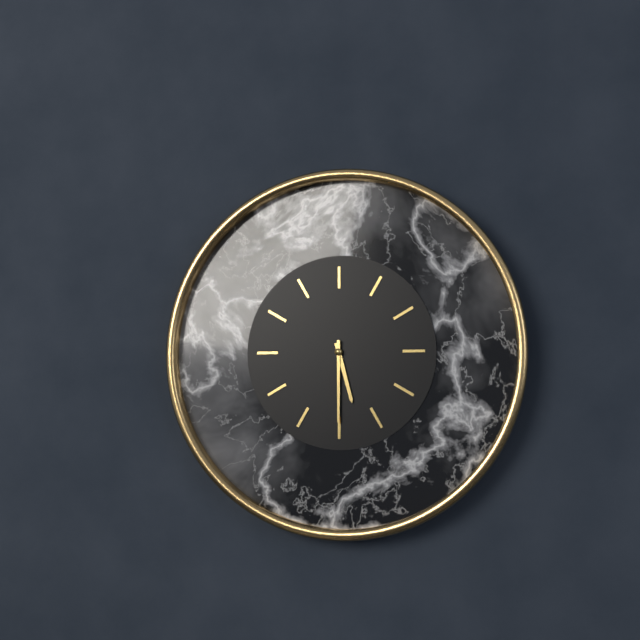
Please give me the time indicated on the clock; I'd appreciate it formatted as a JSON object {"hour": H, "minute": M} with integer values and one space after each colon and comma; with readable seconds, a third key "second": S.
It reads {"hour": 5, "minute": 30}
